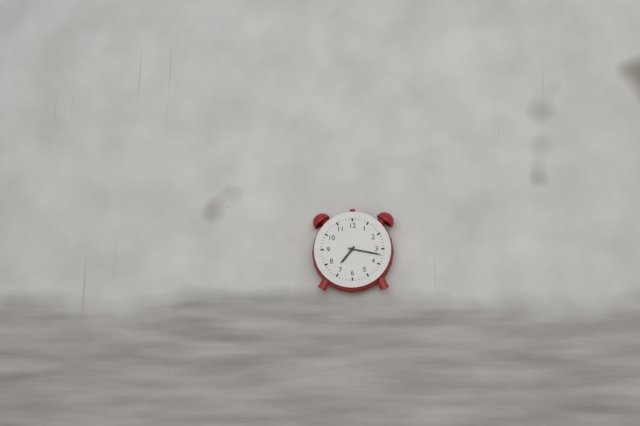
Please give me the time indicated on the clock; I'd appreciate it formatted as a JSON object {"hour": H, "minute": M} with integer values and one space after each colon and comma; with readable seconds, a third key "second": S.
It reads {"hour": 7, "minute": 17}
